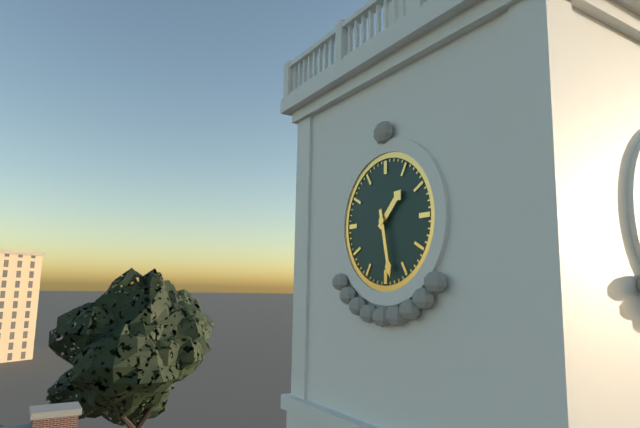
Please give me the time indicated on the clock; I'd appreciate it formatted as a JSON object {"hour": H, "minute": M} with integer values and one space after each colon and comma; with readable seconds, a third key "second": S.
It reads {"hour": 1, "minute": 28}
